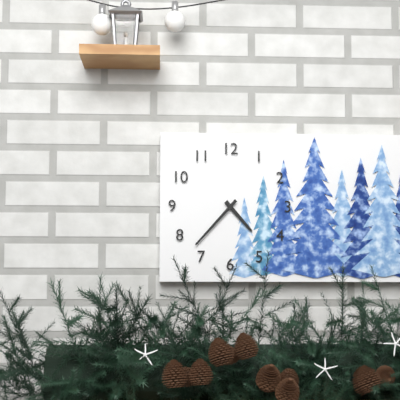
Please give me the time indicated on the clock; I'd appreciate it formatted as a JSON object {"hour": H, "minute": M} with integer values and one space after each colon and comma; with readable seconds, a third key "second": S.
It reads {"hour": 4, "minute": 37}
